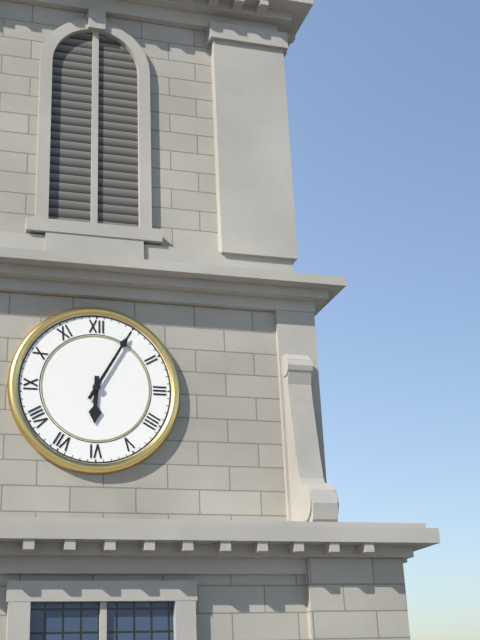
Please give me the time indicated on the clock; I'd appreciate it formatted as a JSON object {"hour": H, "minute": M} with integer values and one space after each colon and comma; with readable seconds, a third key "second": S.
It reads {"hour": 6, "minute": 5}
